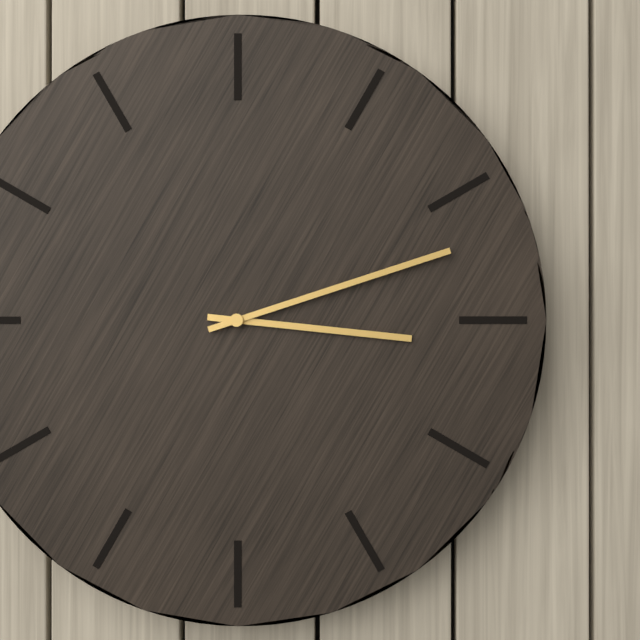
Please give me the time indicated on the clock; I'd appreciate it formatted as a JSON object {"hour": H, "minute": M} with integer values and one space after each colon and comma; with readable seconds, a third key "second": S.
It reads {"hour": 3, "minute": 12}
